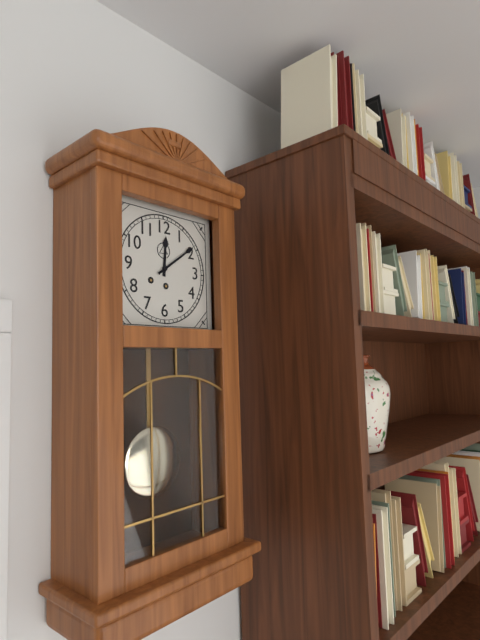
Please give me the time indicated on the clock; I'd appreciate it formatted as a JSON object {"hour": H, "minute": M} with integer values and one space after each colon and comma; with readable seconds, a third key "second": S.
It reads {"hour": 12, "minute": 9}
